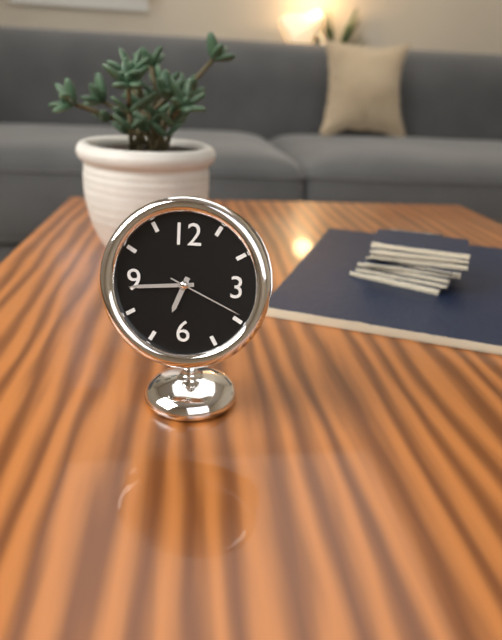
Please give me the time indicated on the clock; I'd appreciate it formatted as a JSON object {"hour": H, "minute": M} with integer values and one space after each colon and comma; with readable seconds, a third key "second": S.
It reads {"hour": 6, "minute": 44, "second": 19}
